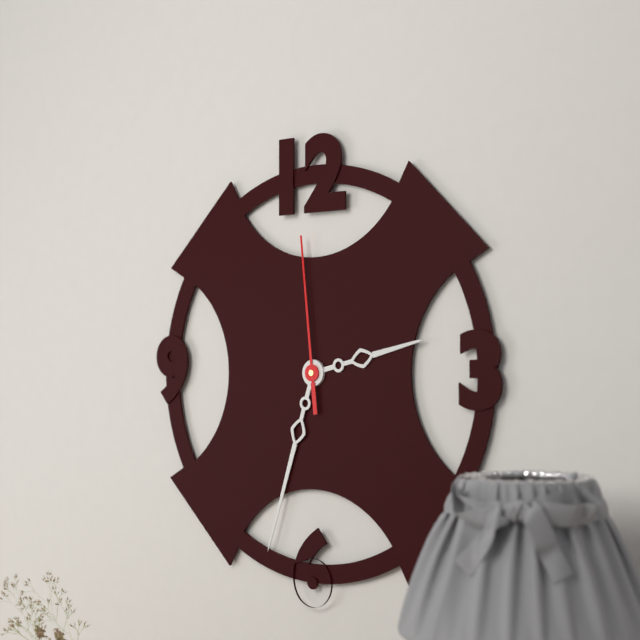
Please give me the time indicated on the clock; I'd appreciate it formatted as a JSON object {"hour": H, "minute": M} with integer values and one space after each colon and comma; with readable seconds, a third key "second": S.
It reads {"hour": 2, "minute": 33, "second": 59}
